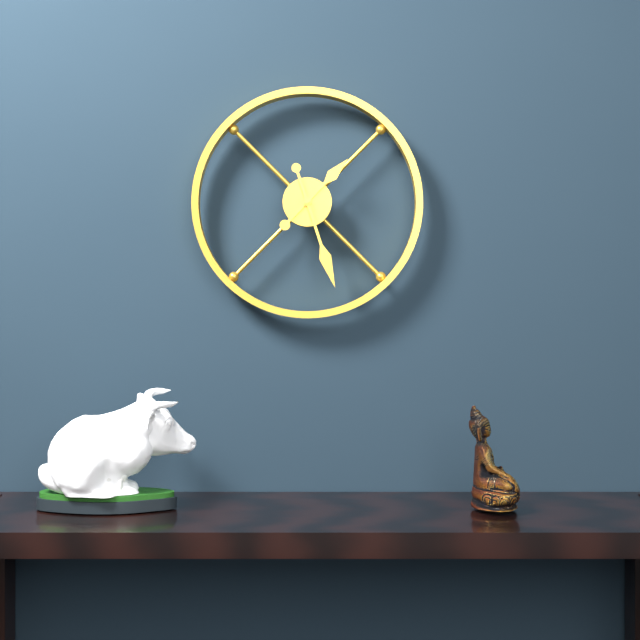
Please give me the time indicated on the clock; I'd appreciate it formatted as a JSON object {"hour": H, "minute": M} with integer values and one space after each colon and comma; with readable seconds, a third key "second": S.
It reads {"hour": 1, "minute": 27}
